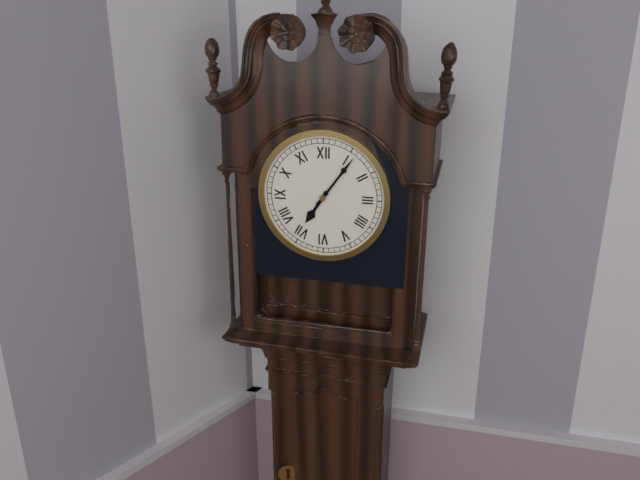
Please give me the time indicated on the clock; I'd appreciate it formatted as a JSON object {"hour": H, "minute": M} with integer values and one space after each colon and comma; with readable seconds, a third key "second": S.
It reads {"hour": 7, "minute": 6}
